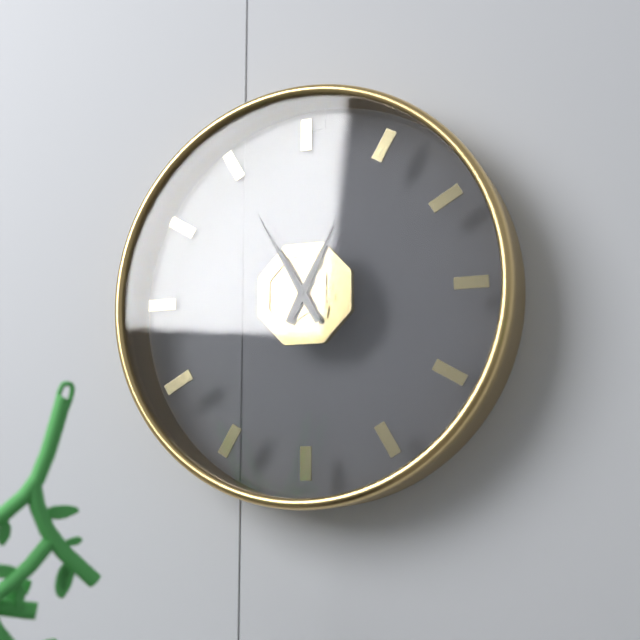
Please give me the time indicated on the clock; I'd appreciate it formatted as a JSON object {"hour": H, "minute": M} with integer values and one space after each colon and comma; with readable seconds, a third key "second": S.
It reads {"hour": 12, "minute": 55}
